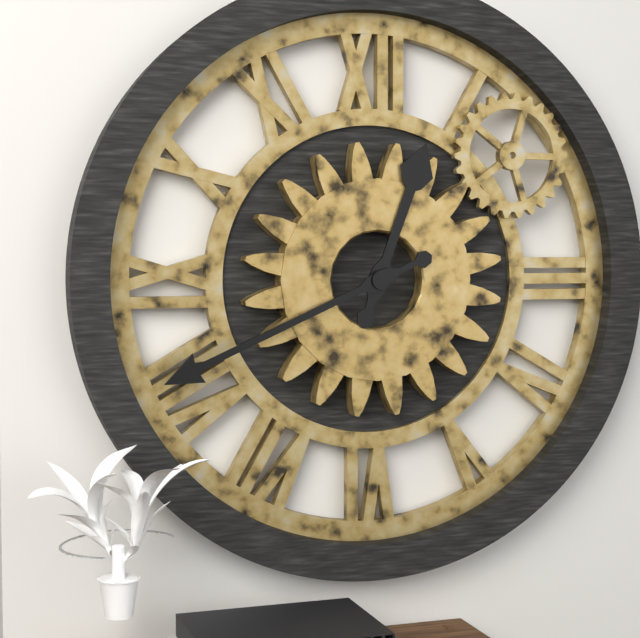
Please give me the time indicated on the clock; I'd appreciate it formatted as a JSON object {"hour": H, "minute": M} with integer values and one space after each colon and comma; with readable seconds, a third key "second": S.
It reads {"hour": 12, "minute": 41}
